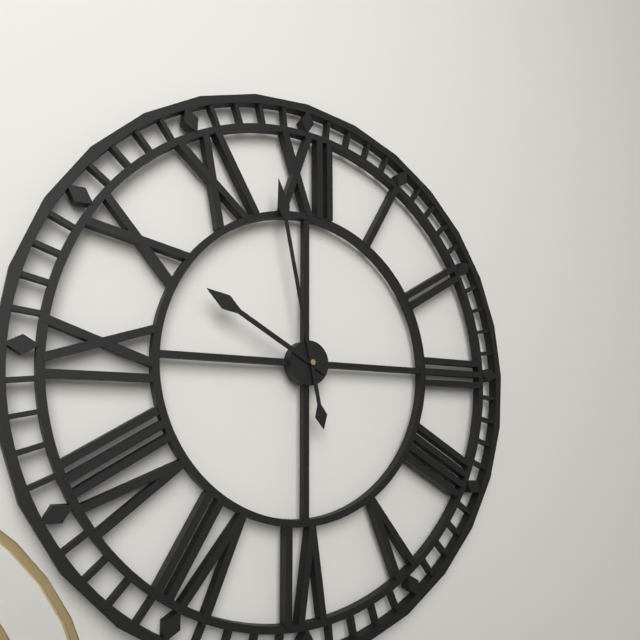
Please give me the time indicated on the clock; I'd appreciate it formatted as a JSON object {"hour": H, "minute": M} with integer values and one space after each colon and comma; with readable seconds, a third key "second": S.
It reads {"hour": 9, "minute": 58}
